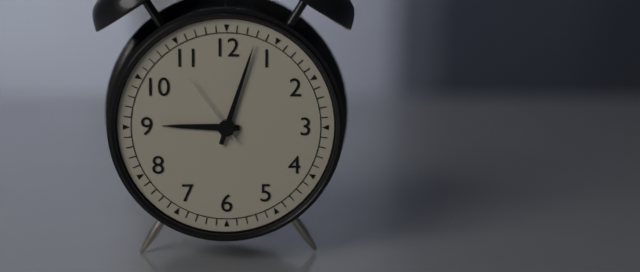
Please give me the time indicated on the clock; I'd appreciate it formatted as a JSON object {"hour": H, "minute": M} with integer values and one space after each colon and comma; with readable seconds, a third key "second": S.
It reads {"hour": 9, "minute": 3, "second": 54}
